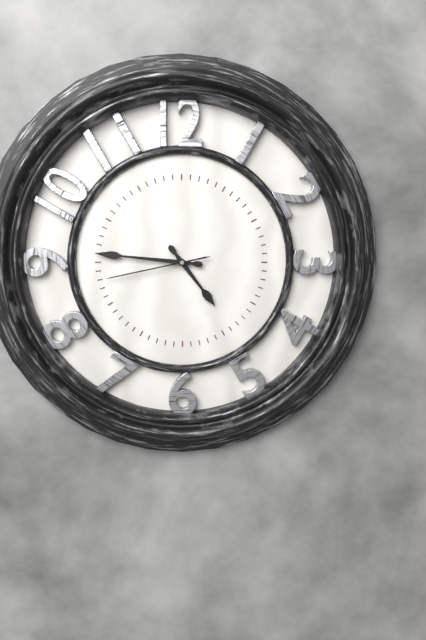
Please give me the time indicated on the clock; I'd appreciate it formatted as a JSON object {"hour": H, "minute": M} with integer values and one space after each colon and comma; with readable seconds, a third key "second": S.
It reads {"hour": 4, "minute": 46, "second": 43}
